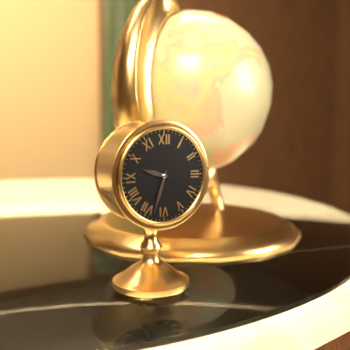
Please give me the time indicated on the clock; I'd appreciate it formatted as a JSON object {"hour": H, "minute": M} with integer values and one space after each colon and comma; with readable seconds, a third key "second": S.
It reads {"hour": 9, "minute": 33}
